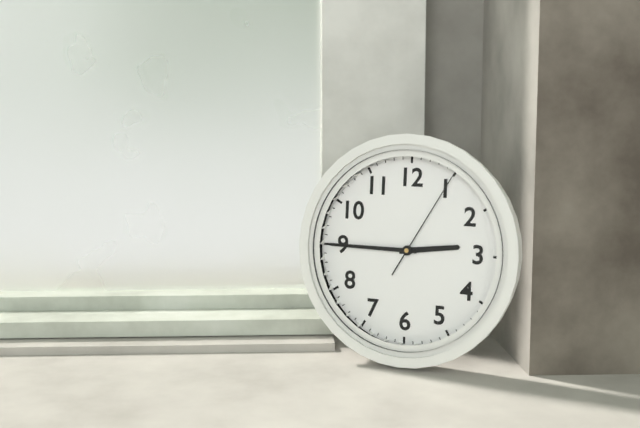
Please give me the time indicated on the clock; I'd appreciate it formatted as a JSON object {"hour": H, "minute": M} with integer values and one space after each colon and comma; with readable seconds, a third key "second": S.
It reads {"hour": 2, "minute": 45, "second": 5}
